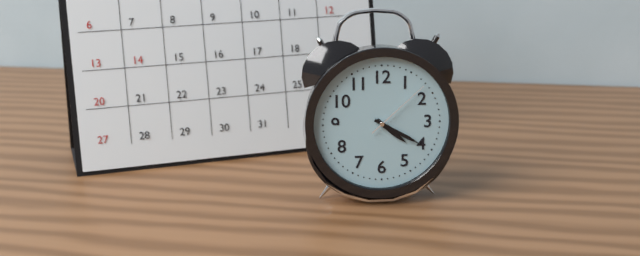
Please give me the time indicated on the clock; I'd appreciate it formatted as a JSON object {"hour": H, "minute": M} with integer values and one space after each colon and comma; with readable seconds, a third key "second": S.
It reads {"hour": 4, "minute": 20, "second": 8}
